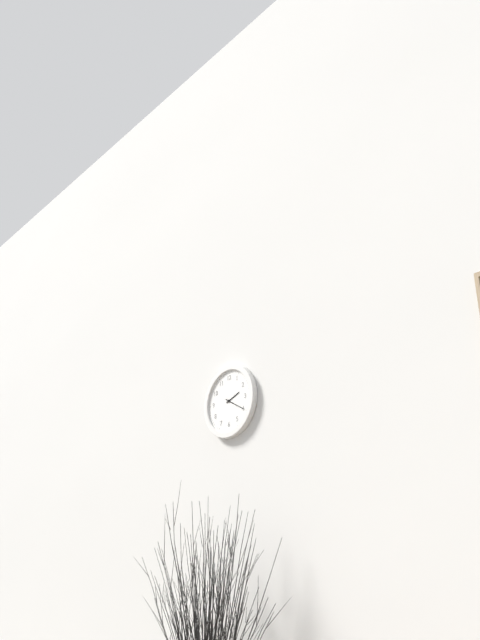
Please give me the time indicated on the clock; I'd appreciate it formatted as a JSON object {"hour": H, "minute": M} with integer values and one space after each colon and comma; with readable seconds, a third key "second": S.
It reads {"hour": 2, "minute": 20}
